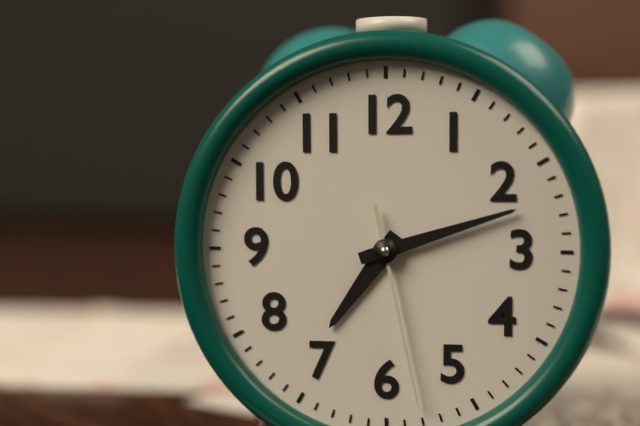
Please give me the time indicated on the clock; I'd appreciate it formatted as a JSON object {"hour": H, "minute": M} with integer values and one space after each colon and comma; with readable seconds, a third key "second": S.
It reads {"hour": 7, "minute": 12, "second": 28}
